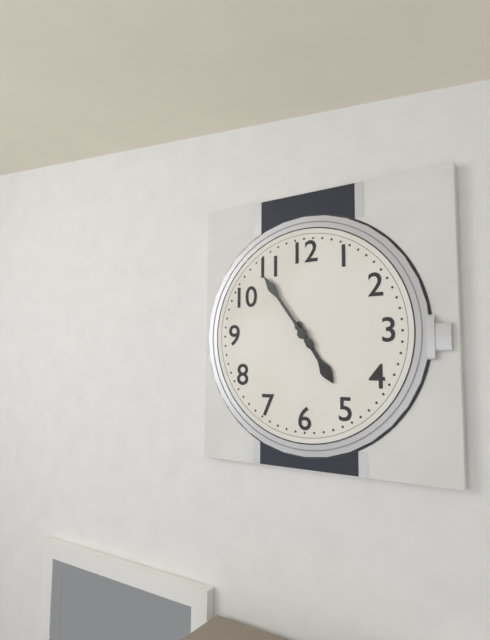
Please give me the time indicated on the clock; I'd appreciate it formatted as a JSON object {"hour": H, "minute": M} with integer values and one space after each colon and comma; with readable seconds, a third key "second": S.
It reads {"hour": 4, "minute": 54}
